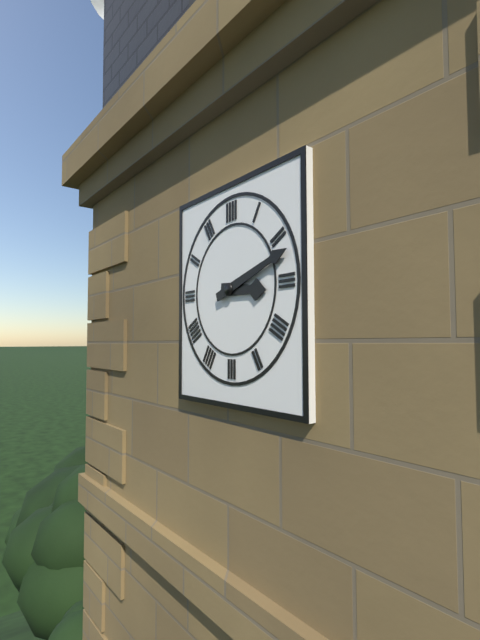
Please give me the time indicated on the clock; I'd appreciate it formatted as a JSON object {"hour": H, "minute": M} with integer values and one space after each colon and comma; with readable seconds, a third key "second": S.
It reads {"hour": 3, "minute": 12}
